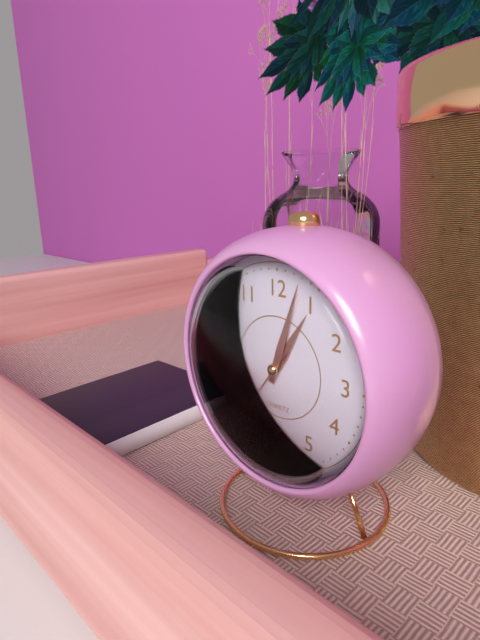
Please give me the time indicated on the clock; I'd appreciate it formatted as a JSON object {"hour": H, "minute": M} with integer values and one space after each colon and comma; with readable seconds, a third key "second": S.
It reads {"hour": 1, "minute": 3, "second": 36}
